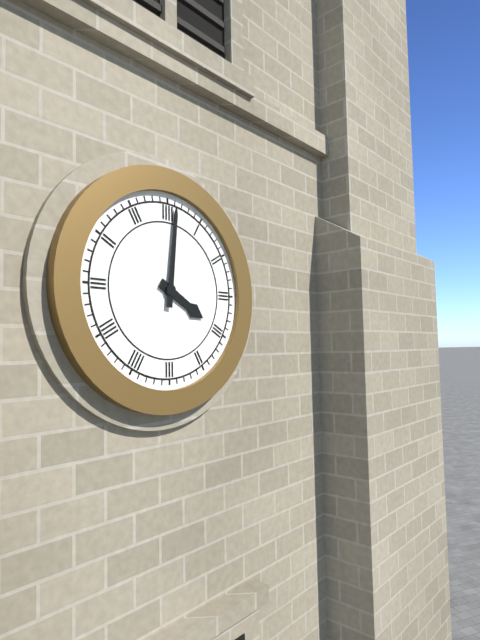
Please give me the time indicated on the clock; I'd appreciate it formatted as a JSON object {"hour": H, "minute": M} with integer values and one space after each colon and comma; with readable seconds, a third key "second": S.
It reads {"hour": 4, "minute": 1}
